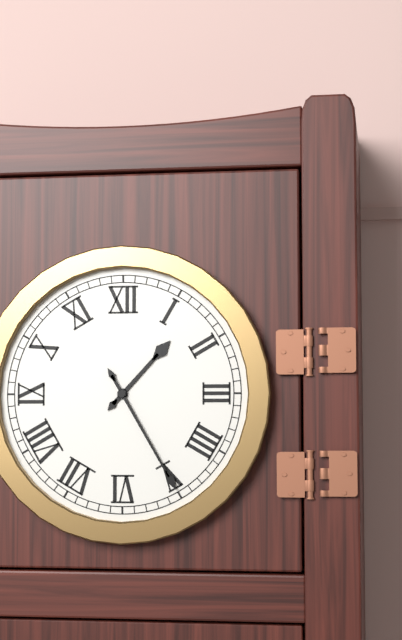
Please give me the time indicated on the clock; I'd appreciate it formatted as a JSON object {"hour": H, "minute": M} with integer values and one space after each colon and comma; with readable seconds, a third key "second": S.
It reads {"hour": 1, "minute": 25}
